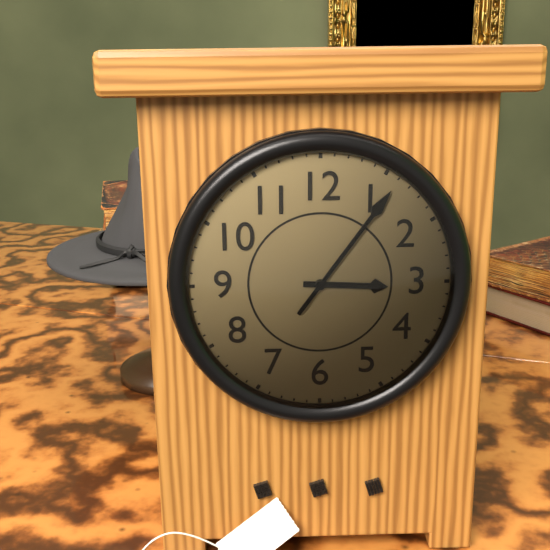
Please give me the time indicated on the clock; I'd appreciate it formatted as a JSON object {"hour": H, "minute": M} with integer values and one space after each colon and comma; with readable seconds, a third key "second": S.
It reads {"hour": 3, "minute": 6}
